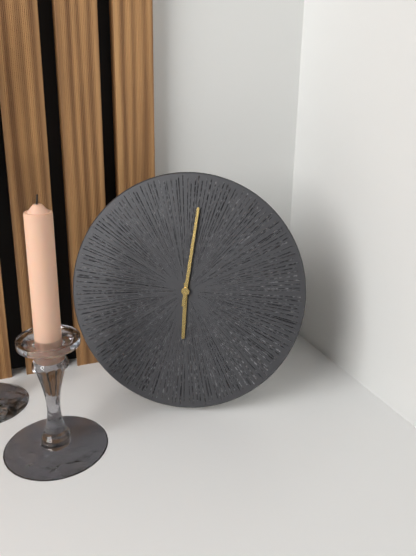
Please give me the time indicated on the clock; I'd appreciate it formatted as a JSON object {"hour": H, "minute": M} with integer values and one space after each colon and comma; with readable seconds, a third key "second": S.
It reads {"hour": 6, "minute": 1}
